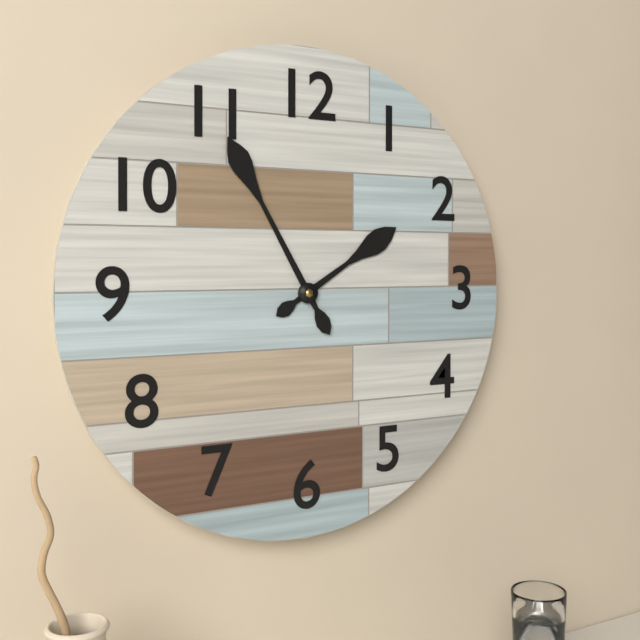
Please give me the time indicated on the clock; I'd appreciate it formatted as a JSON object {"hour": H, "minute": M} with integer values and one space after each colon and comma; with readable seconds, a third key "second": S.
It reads {"hour": 1, "minute": 55}
